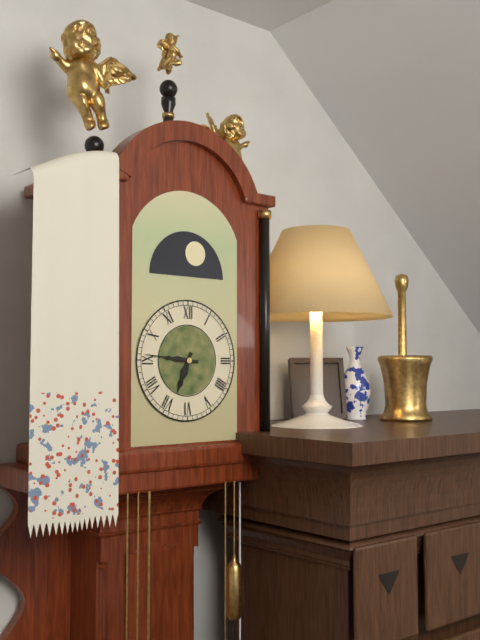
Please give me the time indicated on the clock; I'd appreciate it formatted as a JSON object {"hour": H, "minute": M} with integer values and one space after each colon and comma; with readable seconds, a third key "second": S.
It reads {"hour": 6, "minute": 46}
